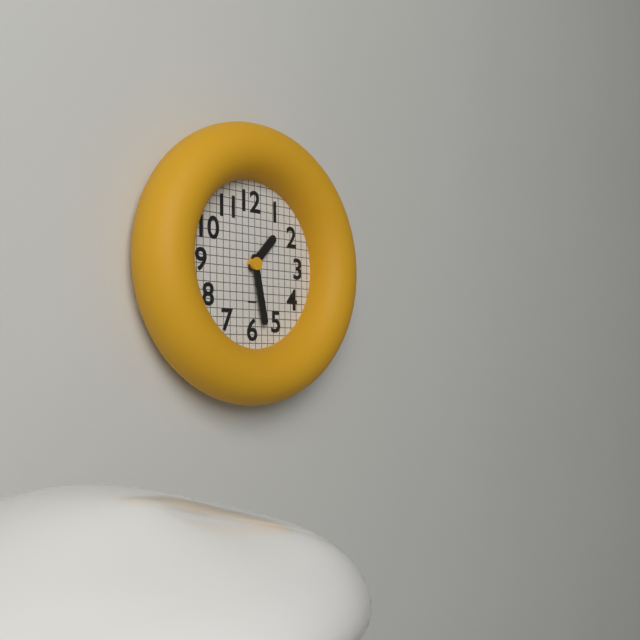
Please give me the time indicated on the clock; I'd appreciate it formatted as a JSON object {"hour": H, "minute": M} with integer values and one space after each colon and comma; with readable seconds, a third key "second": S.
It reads {"hour": 1, "minute": 28}
